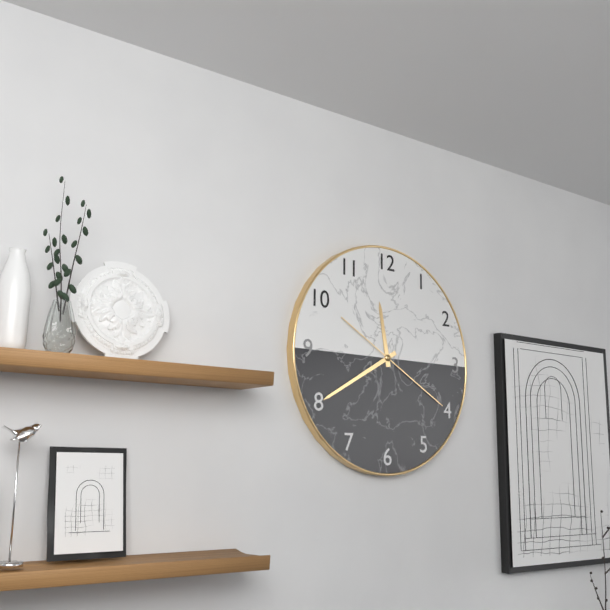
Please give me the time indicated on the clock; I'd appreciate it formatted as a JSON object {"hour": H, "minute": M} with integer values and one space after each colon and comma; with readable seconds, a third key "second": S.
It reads {"hour": 11, "minute": 40, "second": 20}
